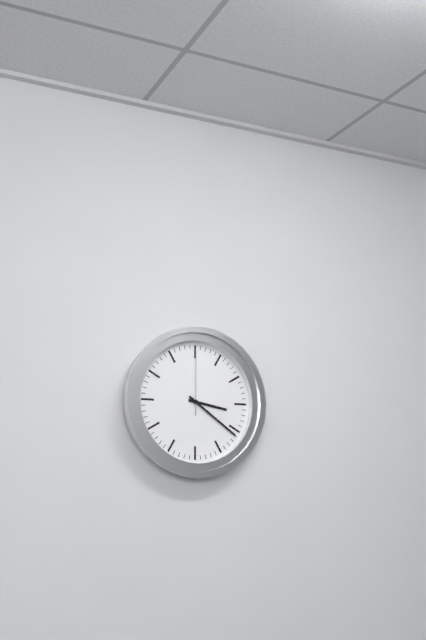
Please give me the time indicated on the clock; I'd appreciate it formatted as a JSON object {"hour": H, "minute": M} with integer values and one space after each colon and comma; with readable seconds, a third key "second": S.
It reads {"hour": 3, "minute": 21, "second": 0}
